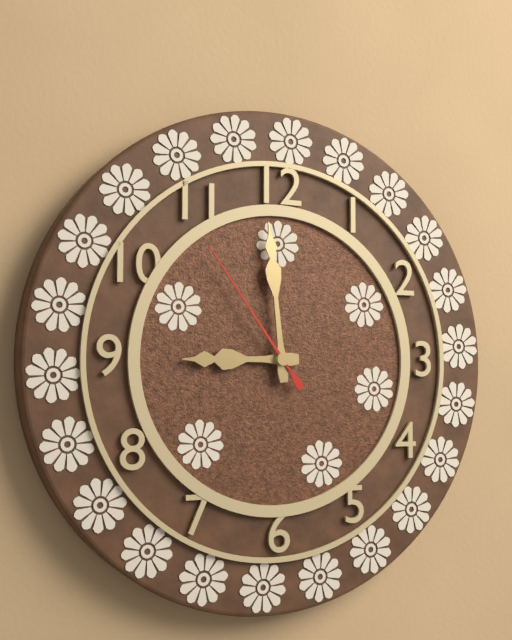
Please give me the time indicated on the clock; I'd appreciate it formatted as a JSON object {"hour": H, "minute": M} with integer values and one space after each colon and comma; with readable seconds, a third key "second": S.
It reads {"hour": 8, "minute": 59, "second": 54}
